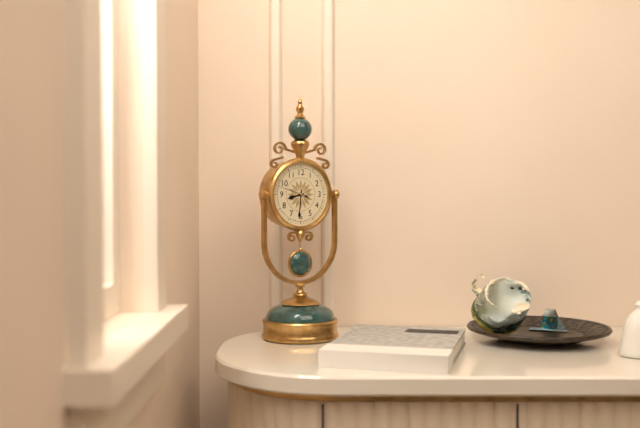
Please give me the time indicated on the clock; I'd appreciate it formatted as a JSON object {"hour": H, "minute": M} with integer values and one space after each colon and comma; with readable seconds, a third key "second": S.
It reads {"hour": 8, "minute": 31}
